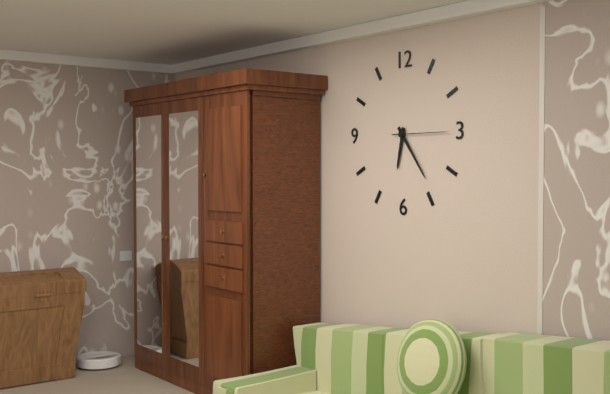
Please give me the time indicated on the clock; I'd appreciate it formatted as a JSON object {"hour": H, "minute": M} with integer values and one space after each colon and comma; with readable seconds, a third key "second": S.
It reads {"hour": 6, "minute": 24, "second": 15}
